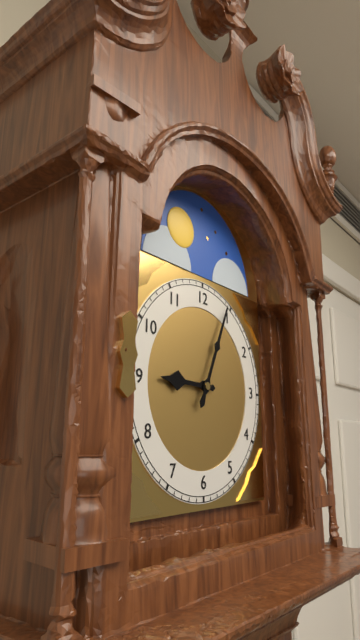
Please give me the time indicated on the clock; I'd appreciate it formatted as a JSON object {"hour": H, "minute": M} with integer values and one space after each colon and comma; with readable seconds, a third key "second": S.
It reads {"hour": 9, "minute": 4}
